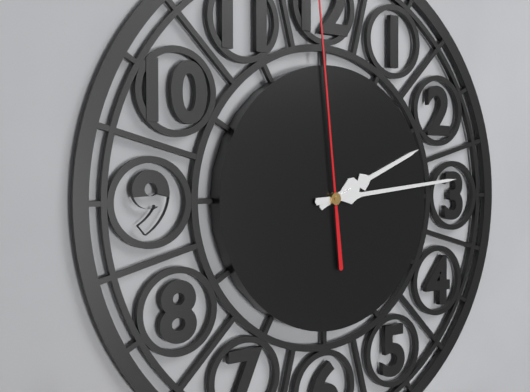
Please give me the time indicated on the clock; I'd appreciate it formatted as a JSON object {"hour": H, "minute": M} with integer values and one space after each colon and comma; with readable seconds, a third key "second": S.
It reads {"hour": 2, "minute": 14}
